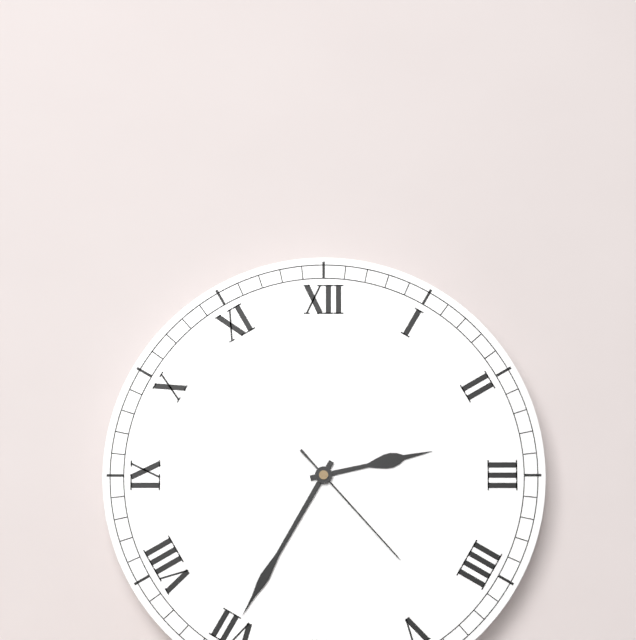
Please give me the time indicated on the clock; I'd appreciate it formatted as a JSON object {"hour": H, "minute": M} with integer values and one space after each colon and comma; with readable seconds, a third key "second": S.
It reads {"hour": 2, "minute": 35, "second": 23}
